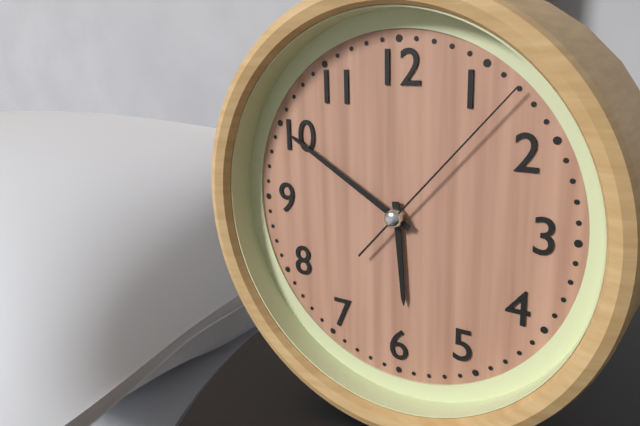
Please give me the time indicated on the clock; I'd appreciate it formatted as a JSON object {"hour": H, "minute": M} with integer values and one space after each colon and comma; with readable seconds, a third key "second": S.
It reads {"hour": 5, "minute": 50, "second": 7}
